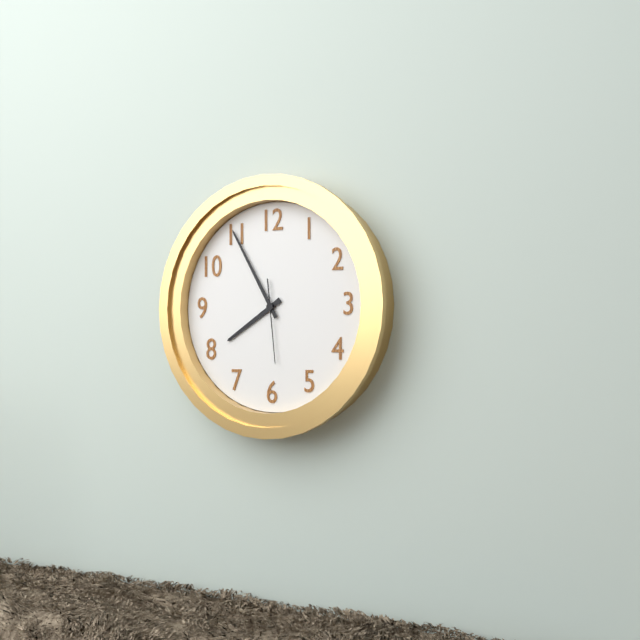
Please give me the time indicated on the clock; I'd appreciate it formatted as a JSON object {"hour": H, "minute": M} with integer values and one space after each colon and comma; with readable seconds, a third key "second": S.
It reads {"hour": 7, "minute": 55, "second": 29}
